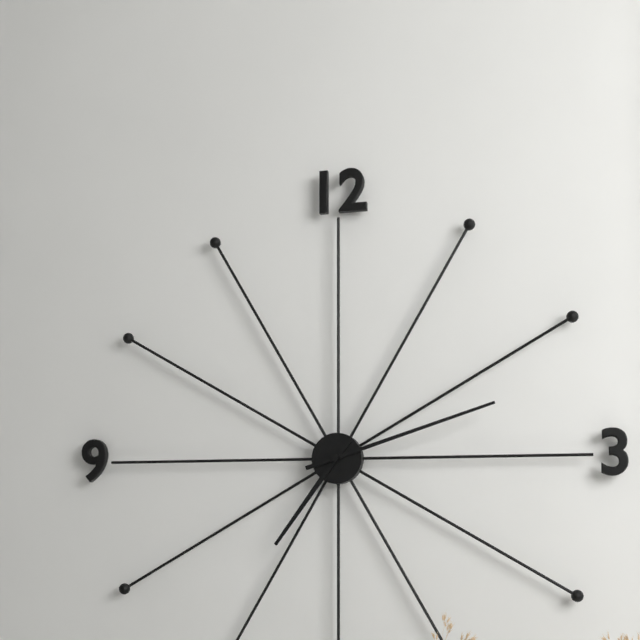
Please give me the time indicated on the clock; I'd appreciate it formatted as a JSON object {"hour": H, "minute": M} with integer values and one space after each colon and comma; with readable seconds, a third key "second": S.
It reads {"hour": 7, "minute": 12}
